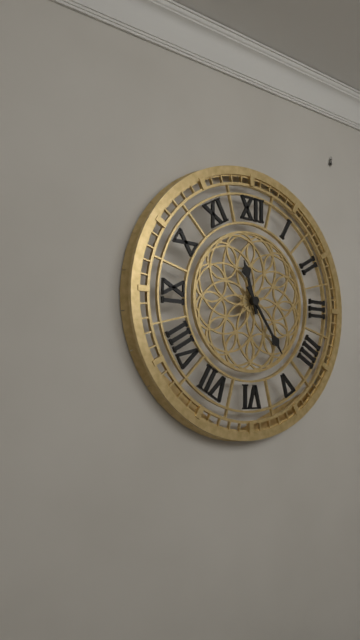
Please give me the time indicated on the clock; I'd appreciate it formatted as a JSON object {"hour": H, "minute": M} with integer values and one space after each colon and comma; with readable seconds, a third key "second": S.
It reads {"hour": 11, "minute": 24}
